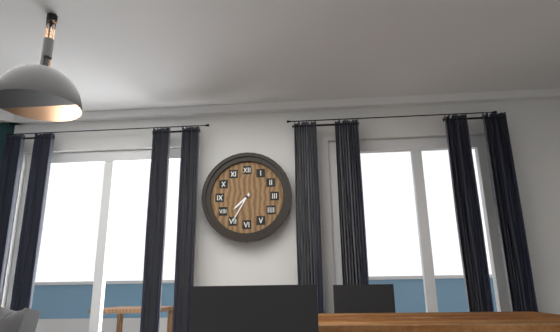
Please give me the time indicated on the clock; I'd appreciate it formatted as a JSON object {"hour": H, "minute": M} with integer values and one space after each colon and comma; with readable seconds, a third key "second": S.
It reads {"hour": 7, "minute": 35}
